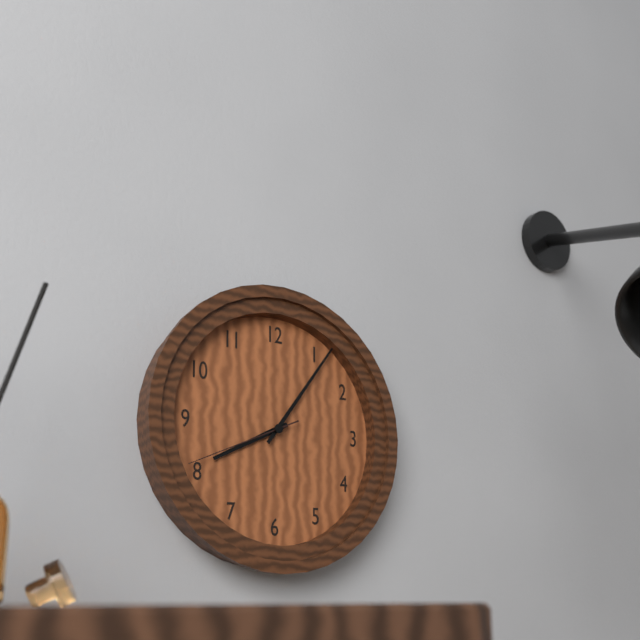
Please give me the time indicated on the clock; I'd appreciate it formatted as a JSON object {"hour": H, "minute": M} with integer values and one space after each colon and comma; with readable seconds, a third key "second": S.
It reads {"hour": 8, "minute": 6, "second": 41}
